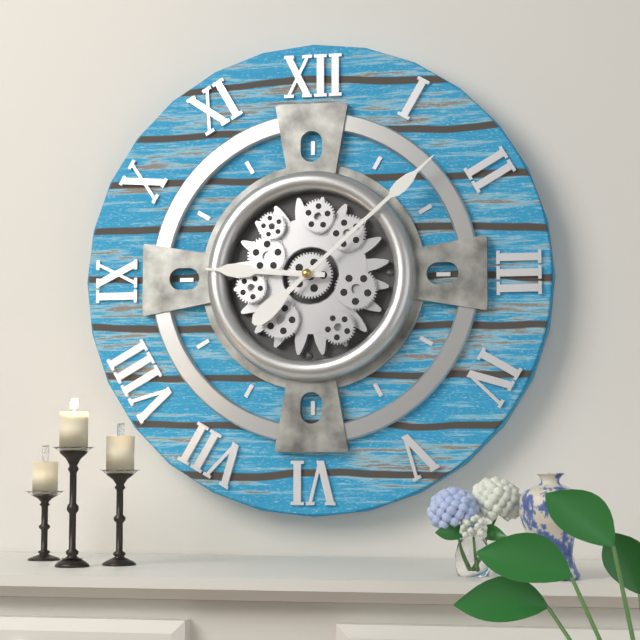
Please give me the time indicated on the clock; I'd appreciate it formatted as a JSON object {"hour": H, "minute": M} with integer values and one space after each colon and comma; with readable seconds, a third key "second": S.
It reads {"hour": 9, "minute": 8}
